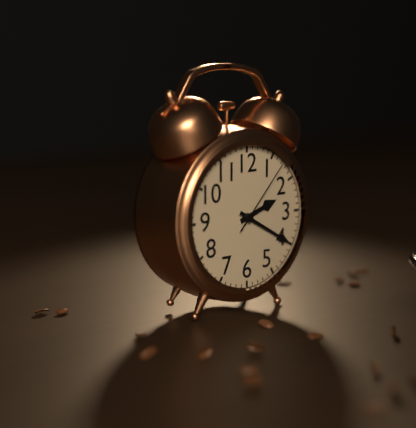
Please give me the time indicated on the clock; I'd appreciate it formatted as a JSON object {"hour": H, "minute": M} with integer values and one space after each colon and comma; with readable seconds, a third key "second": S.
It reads {"hour": 2, "minute": 20, "second": 7}
